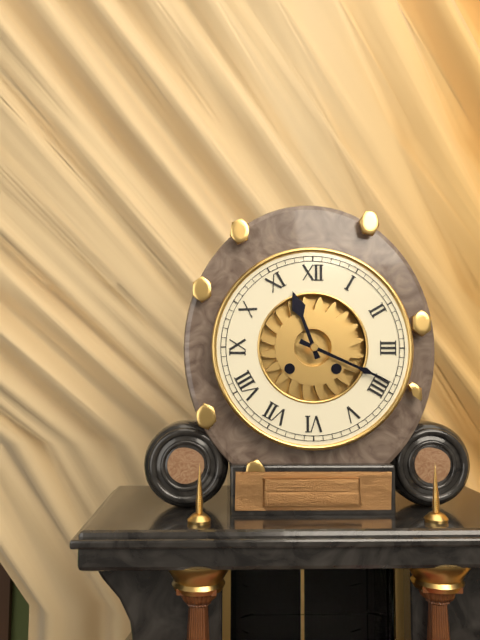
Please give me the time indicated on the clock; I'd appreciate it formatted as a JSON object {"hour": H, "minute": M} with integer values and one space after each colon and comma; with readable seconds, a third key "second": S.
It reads {"hour": 11, "minute": 19}
